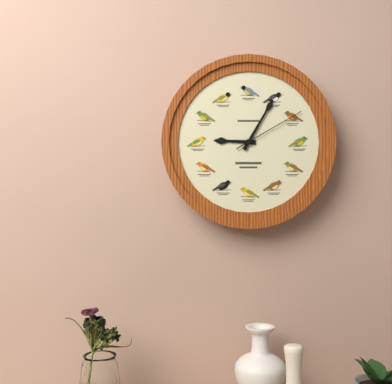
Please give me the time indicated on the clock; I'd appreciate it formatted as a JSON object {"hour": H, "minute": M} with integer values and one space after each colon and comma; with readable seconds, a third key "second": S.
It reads {"hour": 9, "minute": 5, "second": 10}
